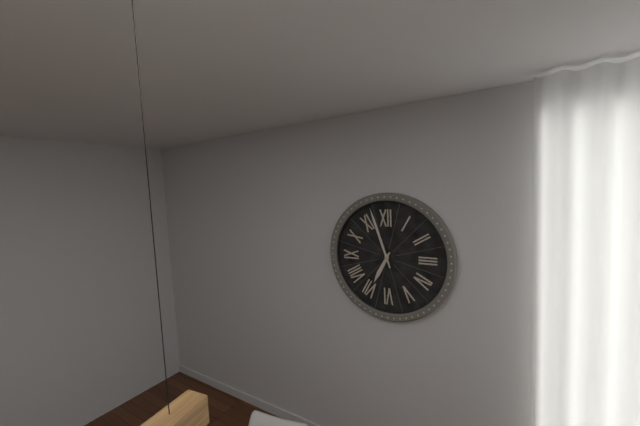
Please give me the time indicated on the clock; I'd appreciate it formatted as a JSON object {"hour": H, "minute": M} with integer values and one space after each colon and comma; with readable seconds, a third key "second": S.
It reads {"hour": 6, "minute": 57}
